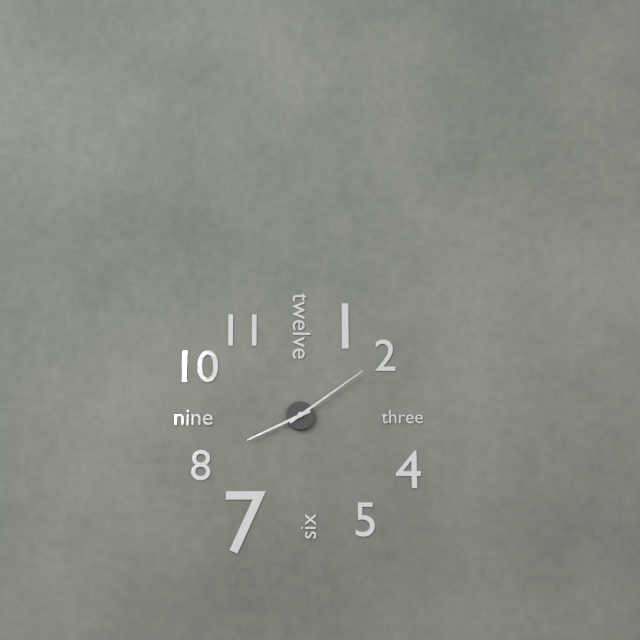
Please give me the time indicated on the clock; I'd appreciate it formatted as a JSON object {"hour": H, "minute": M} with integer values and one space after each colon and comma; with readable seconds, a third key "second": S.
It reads {"hour": 8, "minute": 9}
